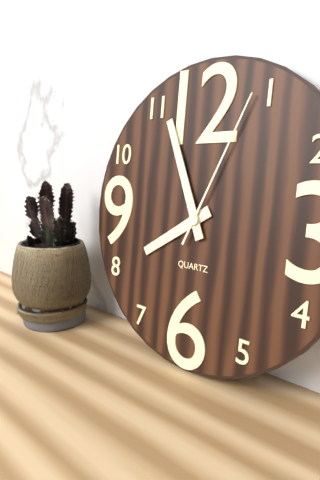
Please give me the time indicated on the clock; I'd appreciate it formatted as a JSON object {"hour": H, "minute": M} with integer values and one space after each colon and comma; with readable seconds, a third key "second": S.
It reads {"hour": 7, "minute": 56, "second": 4}
